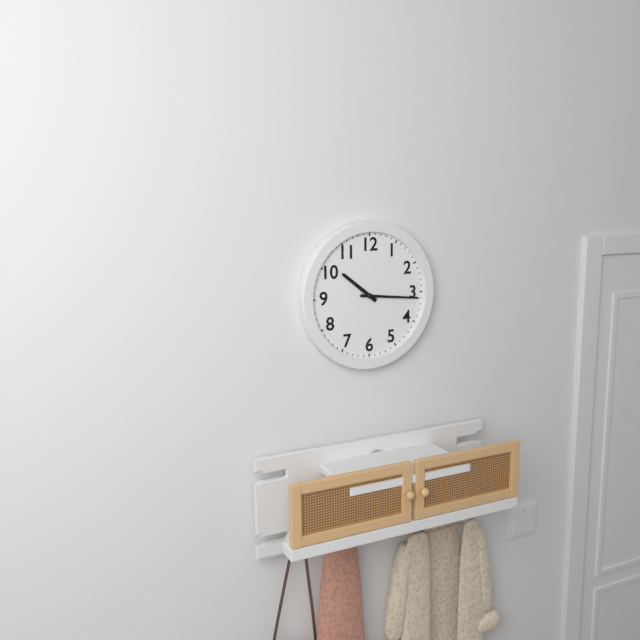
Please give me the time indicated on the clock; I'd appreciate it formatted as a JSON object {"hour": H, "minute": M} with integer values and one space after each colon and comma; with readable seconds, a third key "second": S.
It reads {"hour": 10, "minute": 16}
